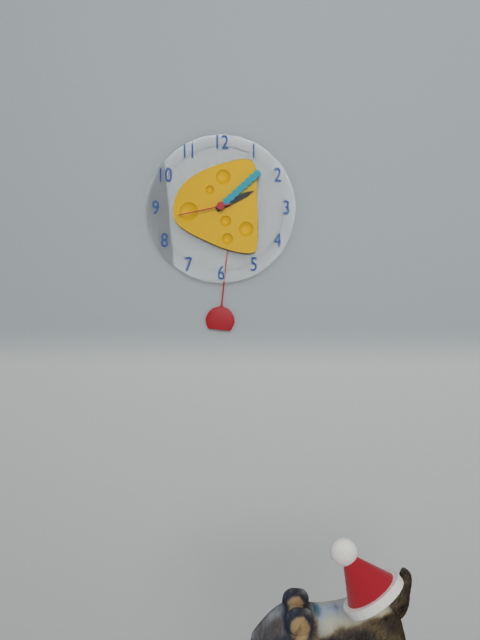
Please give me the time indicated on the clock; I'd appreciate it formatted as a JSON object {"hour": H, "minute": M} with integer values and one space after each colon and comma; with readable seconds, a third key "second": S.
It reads {"hour": 2, "minute": 8, "second": 43}
